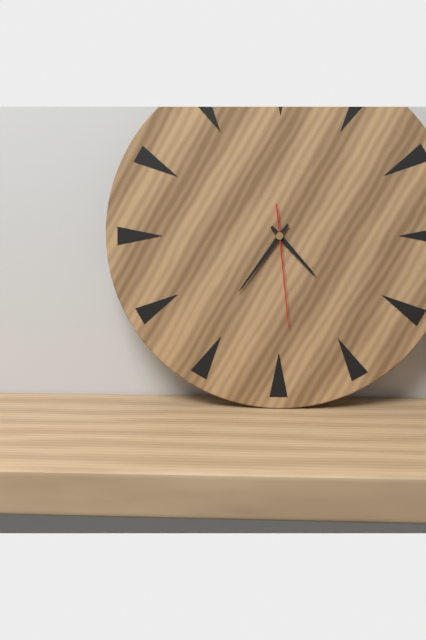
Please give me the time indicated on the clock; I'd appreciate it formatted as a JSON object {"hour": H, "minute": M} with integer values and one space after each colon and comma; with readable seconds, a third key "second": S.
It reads {"hour": 4, "minute": 36, "second": 29}
